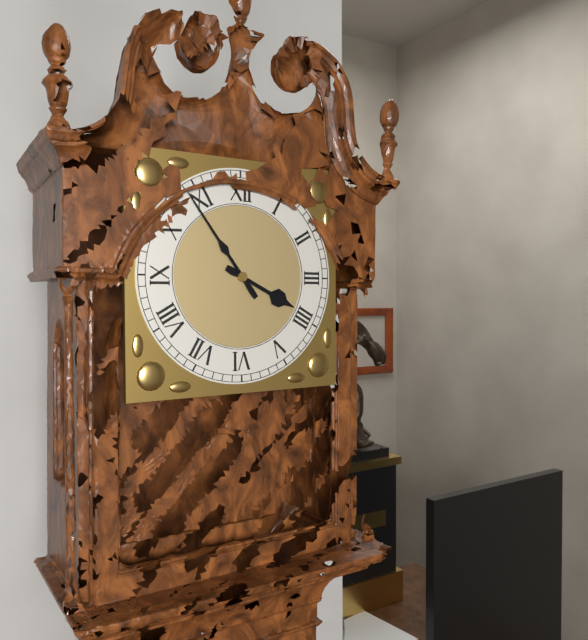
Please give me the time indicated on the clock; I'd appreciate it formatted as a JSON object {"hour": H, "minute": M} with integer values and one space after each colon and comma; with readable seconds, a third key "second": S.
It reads {"hour": 3, "minute": 54}
